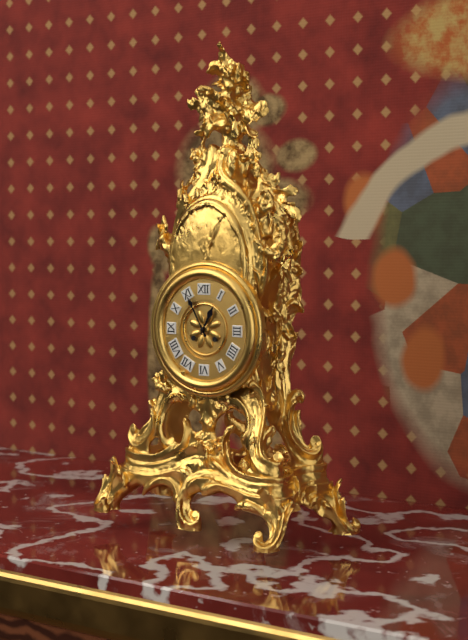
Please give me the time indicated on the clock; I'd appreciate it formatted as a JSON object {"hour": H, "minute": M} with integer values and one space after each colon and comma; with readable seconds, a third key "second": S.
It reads {"hour": 12, "minute": 55}
